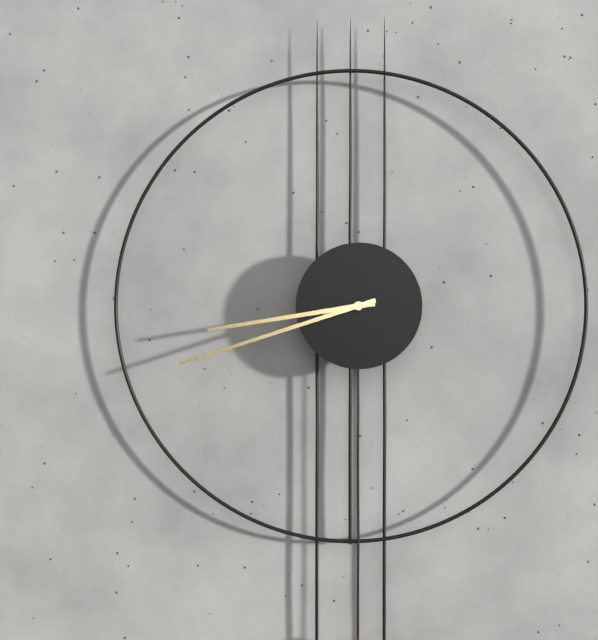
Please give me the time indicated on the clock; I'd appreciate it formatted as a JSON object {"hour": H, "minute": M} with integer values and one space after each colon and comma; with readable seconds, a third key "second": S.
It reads {"hour": 8, "minute": 42}
